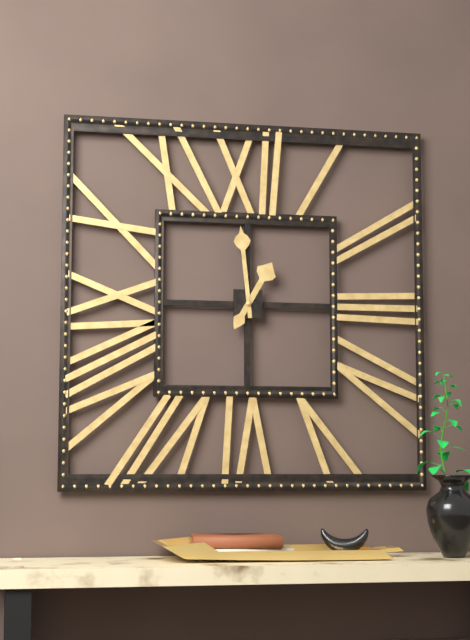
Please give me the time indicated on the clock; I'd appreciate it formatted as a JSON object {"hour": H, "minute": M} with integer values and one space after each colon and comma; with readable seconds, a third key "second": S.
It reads {"hour": 12, "minute": 59}
